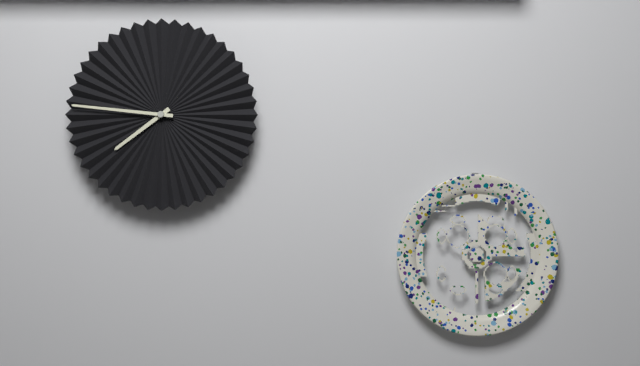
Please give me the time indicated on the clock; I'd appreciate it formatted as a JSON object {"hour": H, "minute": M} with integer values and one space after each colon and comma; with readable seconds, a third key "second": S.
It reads {"hour": 7, "minute": 46}
